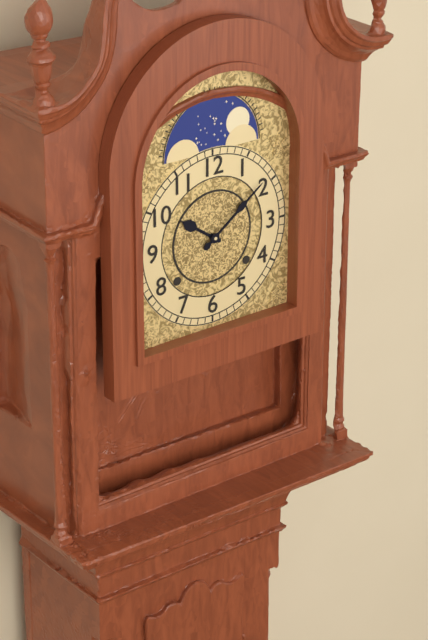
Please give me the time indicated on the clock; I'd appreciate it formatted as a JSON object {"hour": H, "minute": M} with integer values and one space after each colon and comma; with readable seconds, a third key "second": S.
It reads {"hour": 10, "minute": 9}
